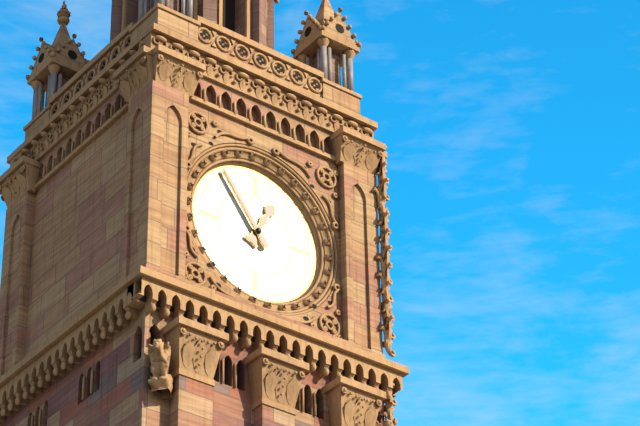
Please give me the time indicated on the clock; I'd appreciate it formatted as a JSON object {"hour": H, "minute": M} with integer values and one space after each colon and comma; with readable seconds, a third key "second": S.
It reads {"hour": 12, "minute": 54}
